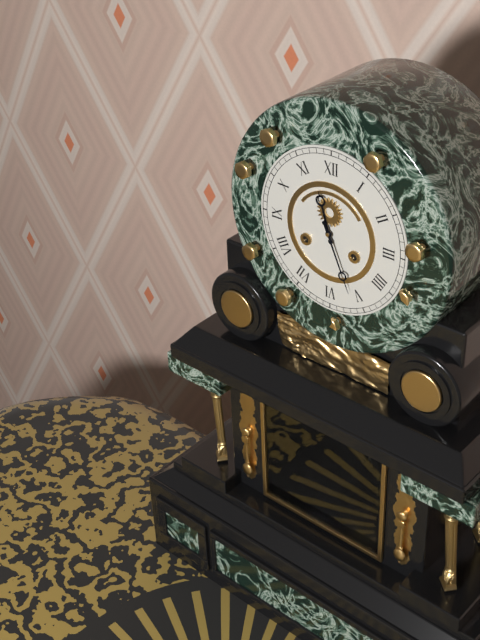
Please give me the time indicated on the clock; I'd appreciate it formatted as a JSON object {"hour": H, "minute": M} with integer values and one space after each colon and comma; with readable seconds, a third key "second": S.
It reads {"hour": 11, "minute": 26}
